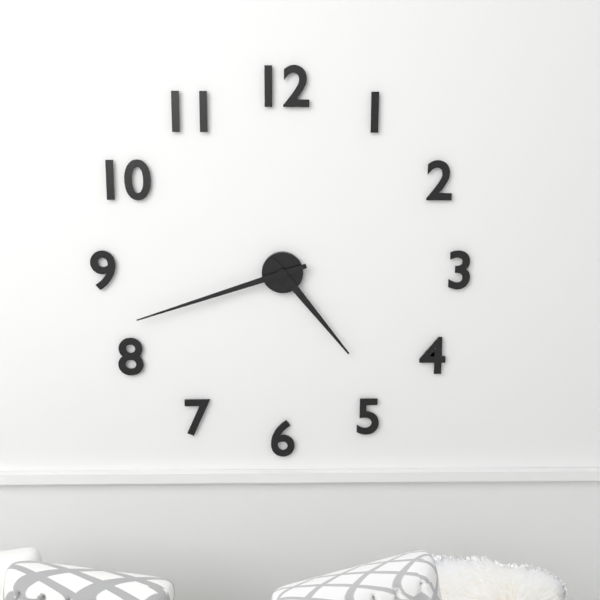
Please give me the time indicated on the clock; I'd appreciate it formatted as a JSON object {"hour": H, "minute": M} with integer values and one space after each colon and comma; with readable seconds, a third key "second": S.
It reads {"hour": 4, "minute": 42}
